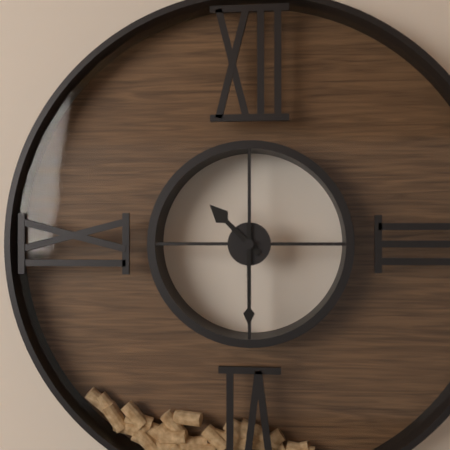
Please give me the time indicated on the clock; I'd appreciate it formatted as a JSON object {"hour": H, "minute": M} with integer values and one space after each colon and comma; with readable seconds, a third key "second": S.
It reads {"hour": 10, "minute": 30}
